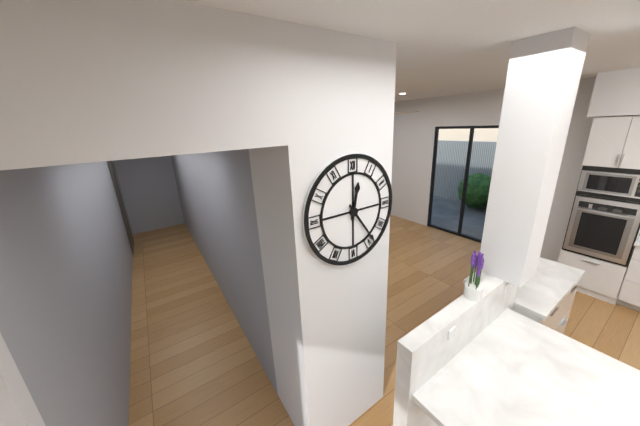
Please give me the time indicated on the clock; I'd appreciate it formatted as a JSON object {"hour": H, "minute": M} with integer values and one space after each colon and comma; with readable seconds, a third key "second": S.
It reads {"hour": 12, "minute": 24}
